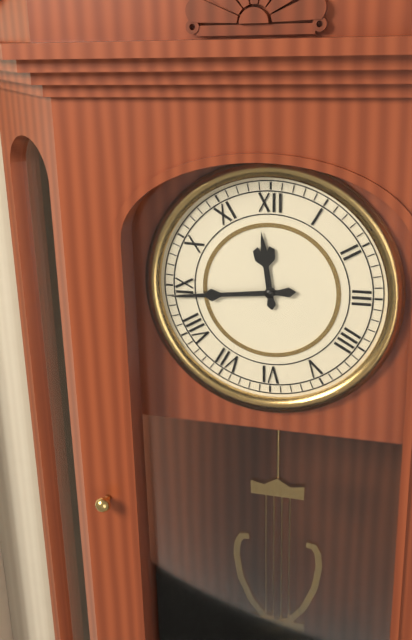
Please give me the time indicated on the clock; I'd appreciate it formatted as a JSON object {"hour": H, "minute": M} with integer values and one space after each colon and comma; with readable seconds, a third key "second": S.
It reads {"hour": 11, "minute": 44}
